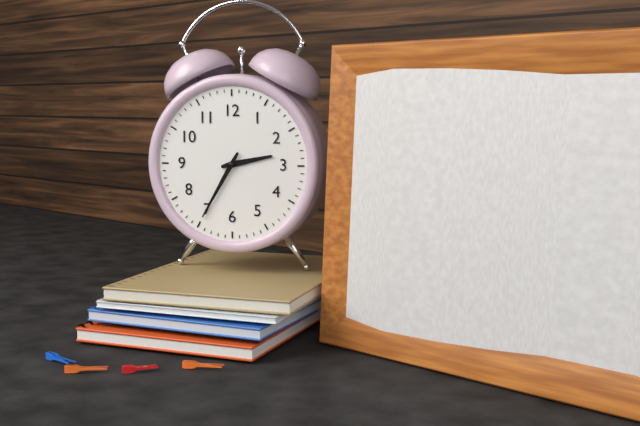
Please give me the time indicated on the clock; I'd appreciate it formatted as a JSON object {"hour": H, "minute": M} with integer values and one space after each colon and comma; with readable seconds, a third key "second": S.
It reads {"hour": 2, "minute": 35}
